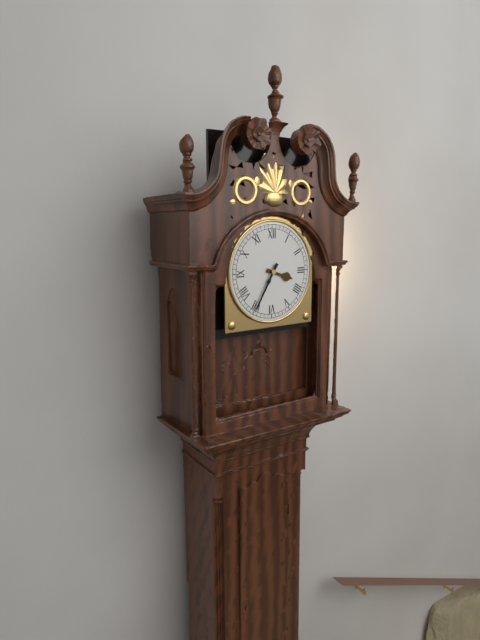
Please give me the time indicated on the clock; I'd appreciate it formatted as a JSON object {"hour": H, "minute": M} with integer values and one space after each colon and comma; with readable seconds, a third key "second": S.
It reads {"hour": 3, "minute": 35}
